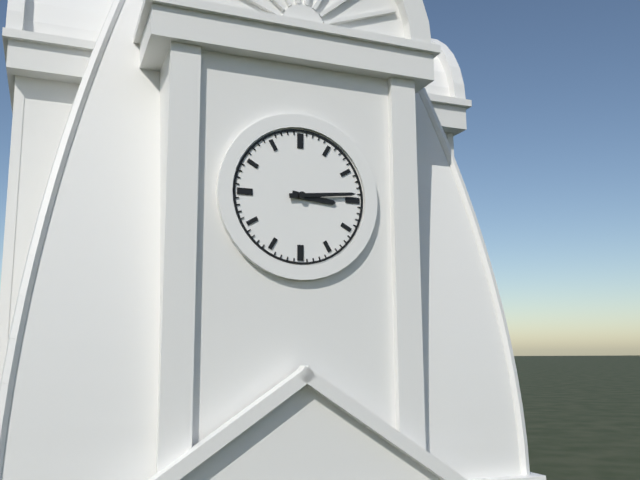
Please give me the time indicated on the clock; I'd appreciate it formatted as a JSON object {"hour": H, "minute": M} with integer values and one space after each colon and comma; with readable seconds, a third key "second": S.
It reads {"hour": 3, "minute": 14}
